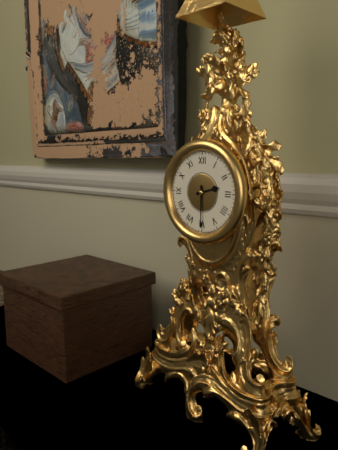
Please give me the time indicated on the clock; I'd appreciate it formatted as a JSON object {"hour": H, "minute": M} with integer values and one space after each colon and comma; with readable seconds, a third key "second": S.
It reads {"hour": 2, "minute": 30}
